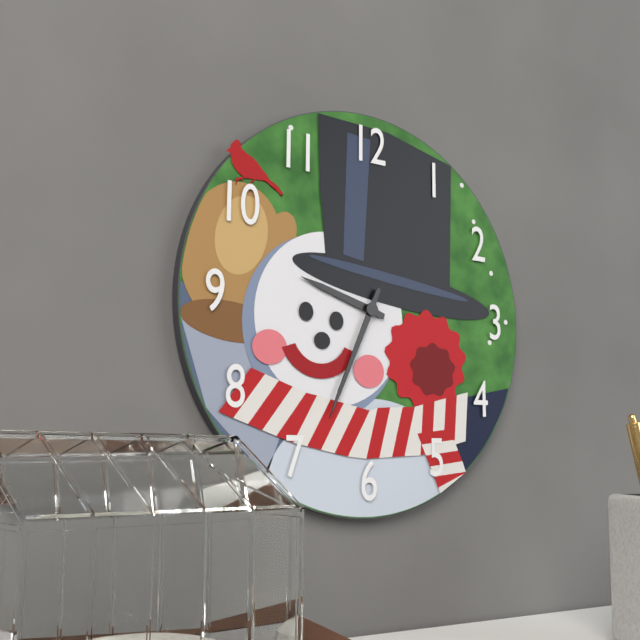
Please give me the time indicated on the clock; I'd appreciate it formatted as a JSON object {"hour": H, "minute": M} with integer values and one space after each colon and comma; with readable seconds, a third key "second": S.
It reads {"hour": 9, "minute": 34}
